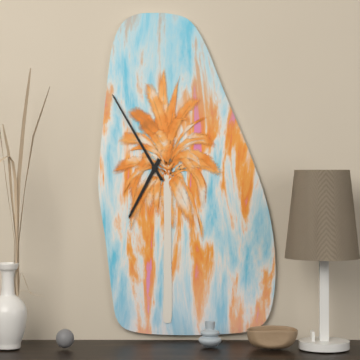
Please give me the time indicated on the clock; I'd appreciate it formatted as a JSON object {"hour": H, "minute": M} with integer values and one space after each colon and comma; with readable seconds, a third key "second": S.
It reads {"hour": 6, "minute": 55}
